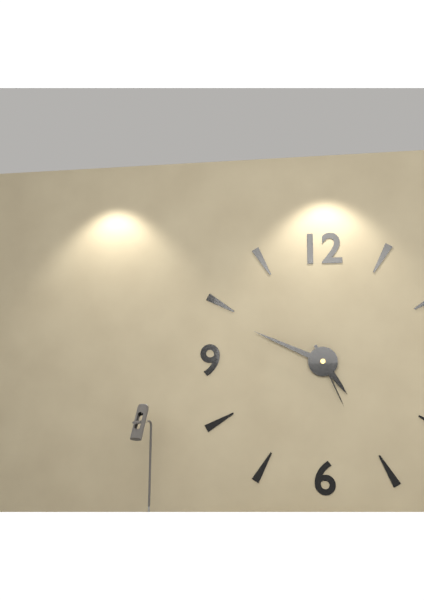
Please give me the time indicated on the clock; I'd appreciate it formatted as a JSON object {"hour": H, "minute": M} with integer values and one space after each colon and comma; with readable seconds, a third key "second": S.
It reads {"hour": 4, "minute": 49, "second": 26}
